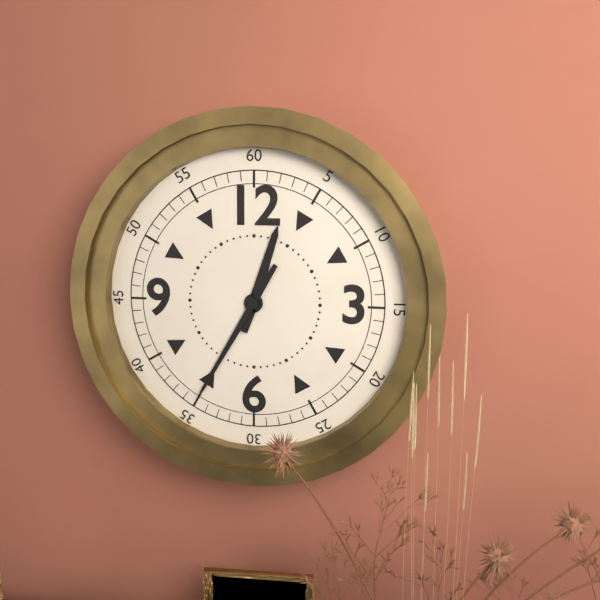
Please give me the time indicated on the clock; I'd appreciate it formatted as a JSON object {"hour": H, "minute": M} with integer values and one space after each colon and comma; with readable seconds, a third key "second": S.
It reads {"hour": 12, "minute": 35}
